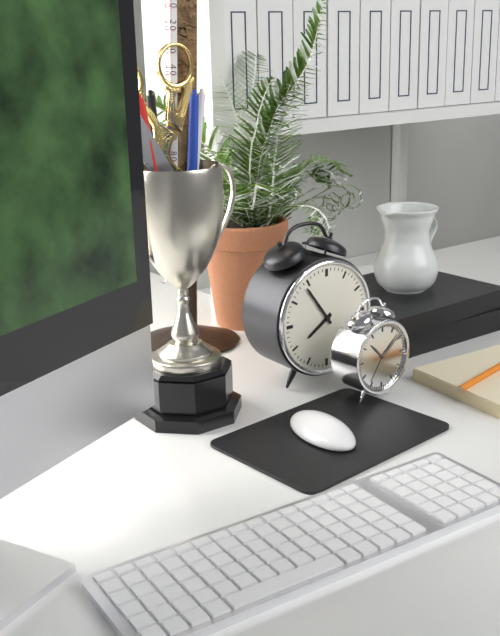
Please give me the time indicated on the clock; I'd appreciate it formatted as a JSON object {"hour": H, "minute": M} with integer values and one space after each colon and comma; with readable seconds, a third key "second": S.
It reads {"hour": 7, "minute": 54}
